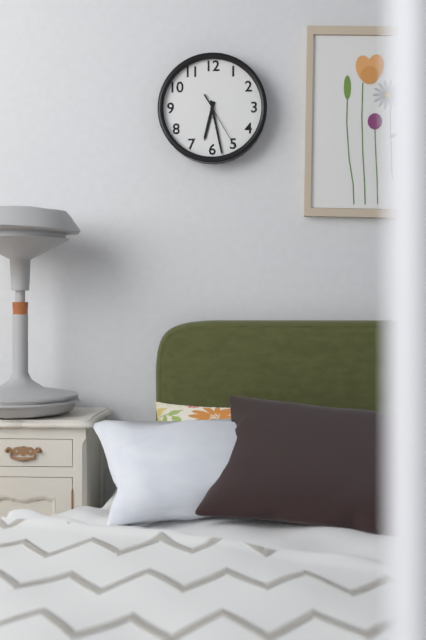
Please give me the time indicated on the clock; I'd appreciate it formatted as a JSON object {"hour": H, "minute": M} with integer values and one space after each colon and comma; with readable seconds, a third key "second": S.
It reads {"hour": 6, "minute": 28, "second": 25}
